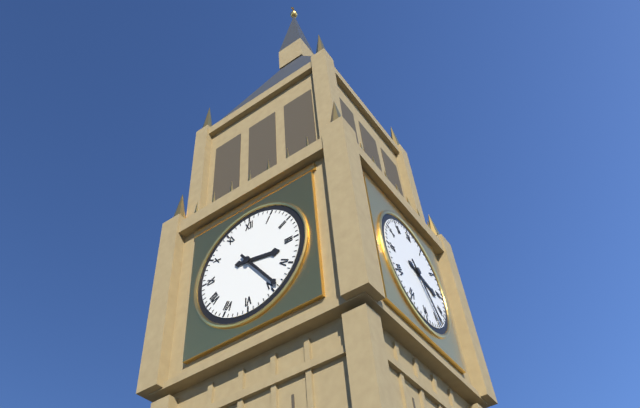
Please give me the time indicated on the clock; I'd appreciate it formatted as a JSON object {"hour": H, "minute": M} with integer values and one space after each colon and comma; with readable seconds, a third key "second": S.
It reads {"hour": 3, "minute": 24}
